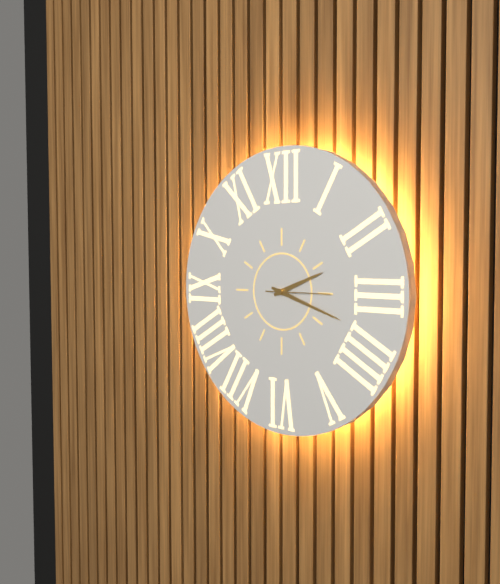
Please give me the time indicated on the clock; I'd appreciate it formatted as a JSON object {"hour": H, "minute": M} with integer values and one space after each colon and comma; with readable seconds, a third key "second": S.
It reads {"hour": 2, "minute": 18, "second": 15}
